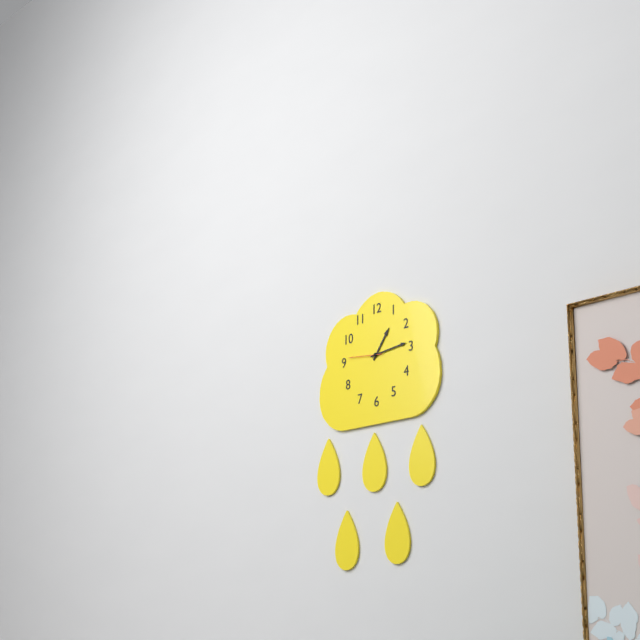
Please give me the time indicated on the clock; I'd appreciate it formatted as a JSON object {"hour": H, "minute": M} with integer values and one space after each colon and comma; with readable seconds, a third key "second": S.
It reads {"hour": 1, "minute": 14}
